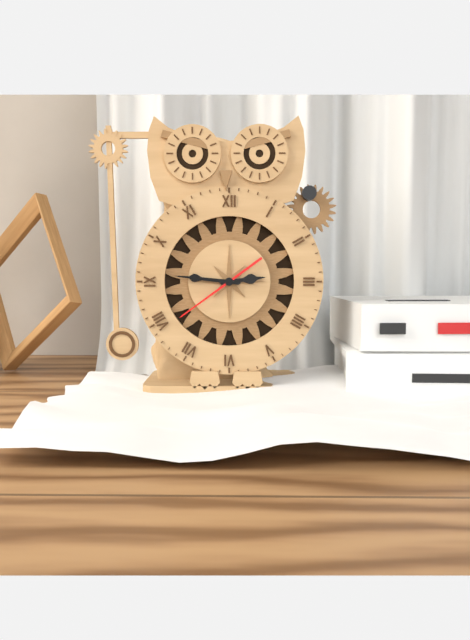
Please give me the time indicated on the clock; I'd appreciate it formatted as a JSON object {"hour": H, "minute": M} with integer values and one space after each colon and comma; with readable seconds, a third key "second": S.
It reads {"hour": 2, "minute": 46, "second": 39}
